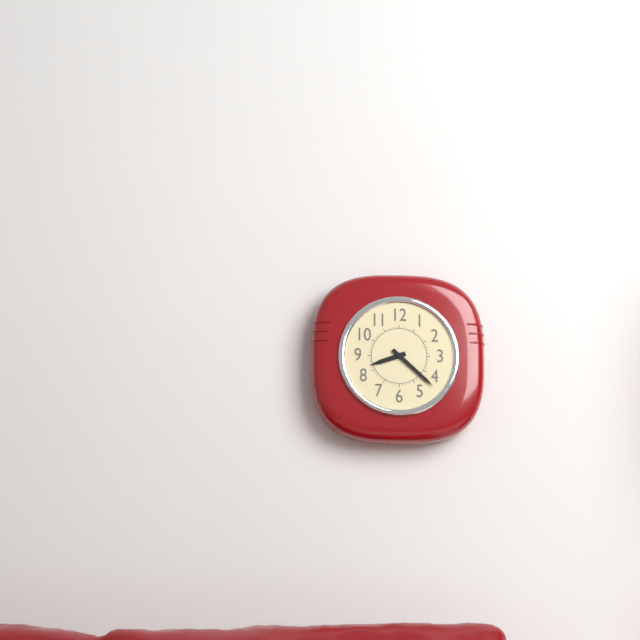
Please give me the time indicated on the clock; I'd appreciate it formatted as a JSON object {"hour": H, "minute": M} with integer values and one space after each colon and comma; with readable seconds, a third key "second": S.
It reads {"hour": 8, "minute": 22}
